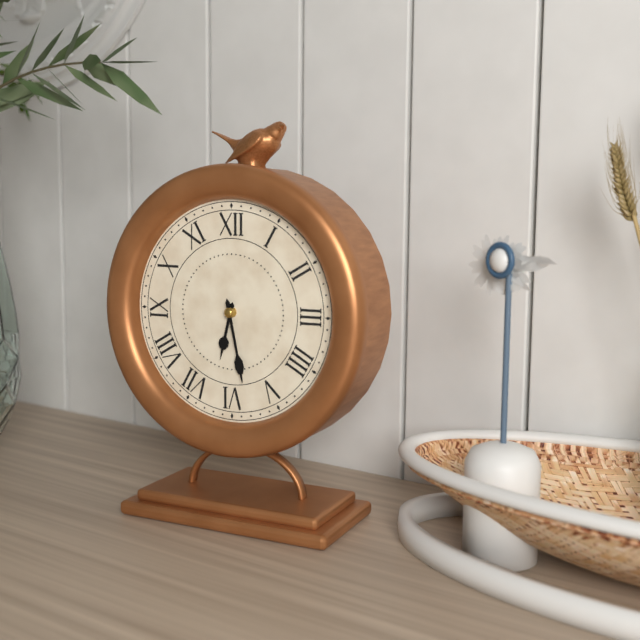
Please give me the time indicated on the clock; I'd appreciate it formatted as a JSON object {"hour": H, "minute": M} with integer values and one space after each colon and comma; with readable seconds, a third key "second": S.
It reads {"hour": 6, "minute": 28}
